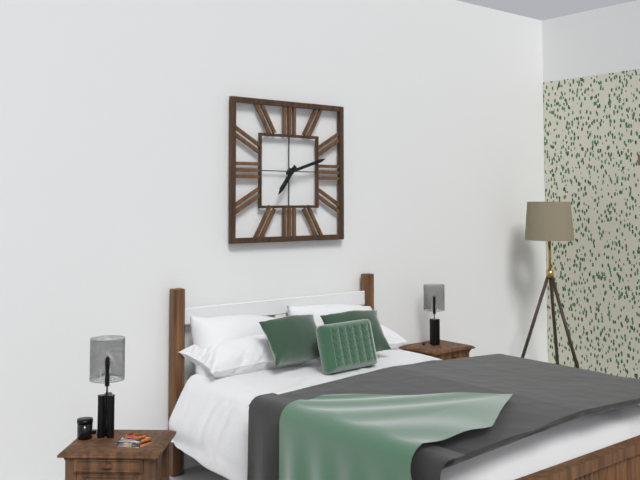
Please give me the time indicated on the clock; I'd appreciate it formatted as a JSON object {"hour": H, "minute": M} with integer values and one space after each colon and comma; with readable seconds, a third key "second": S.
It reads {"hour": 7, "minute": 12}
